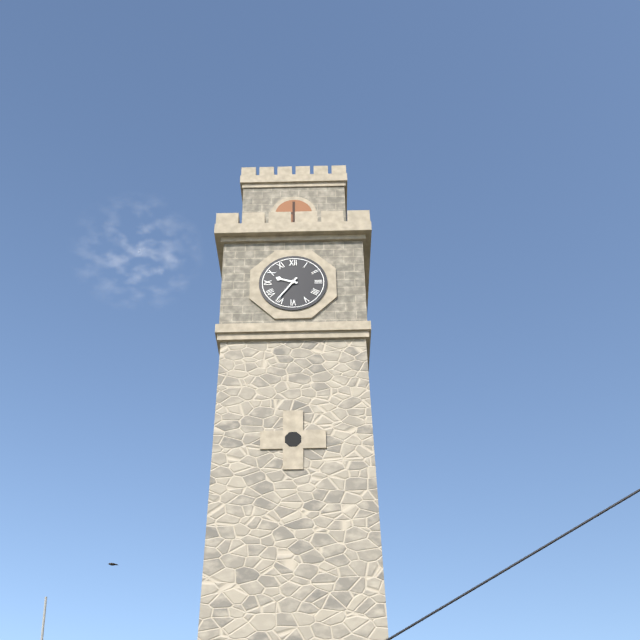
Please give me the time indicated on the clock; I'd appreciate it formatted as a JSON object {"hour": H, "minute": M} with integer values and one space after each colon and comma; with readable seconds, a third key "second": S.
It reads {"hour": 9, "minute": 36}
